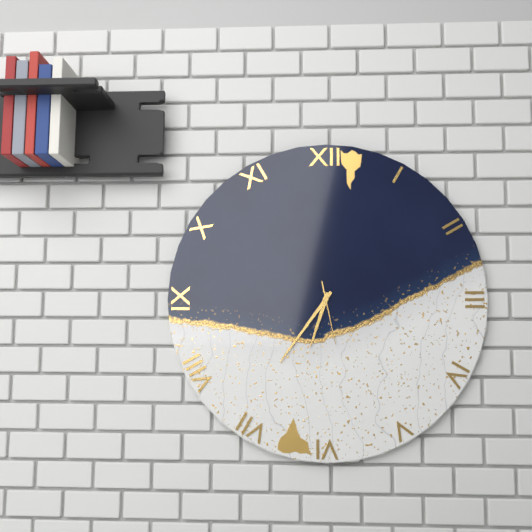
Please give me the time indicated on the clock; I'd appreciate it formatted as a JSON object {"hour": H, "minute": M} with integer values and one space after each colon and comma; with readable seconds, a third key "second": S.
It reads {"hour": 6, "minute": 36, "second": 28}
